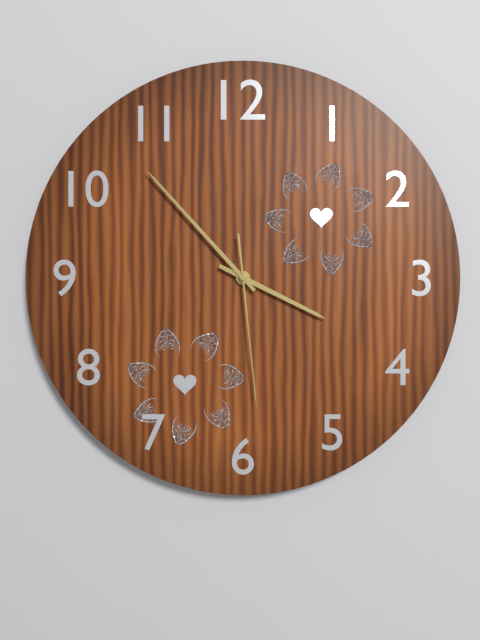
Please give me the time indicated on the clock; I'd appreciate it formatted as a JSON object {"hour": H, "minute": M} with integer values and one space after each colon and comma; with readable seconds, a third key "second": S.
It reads {"hour": 3, "minute": 53, "second": 29}
